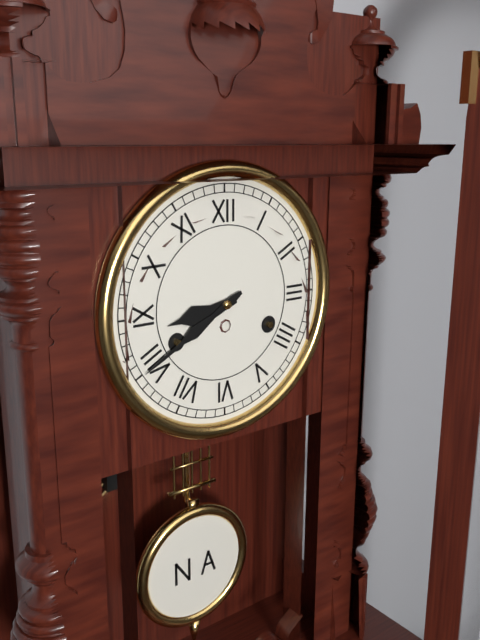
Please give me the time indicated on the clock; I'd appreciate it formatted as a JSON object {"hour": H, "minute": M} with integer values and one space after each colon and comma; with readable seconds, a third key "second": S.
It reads {"hour": 8, "minute": 40}
